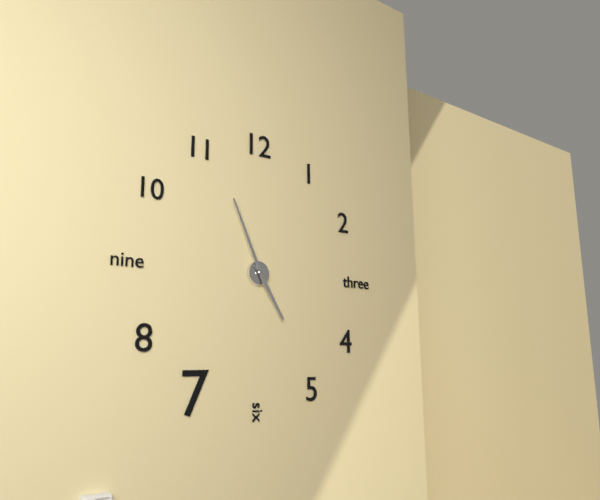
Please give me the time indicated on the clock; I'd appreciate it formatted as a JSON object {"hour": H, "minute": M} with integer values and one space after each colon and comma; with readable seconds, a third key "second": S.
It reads {"hour": 4, "minute": 56}
